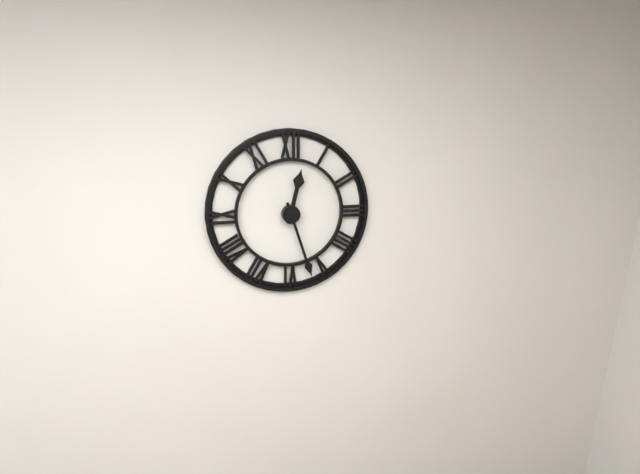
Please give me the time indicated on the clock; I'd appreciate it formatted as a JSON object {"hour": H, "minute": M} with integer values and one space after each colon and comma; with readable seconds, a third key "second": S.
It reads {"hour": 12, "minute": 27}
